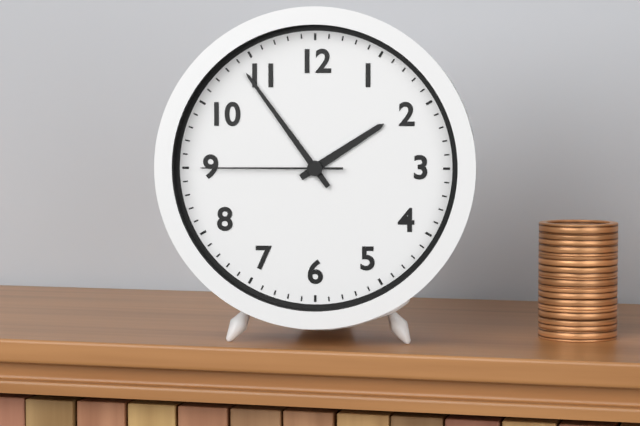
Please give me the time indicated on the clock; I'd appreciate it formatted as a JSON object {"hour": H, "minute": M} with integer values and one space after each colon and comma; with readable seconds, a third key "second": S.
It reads {"hour": 1, "minute": 54, "second": 45}
